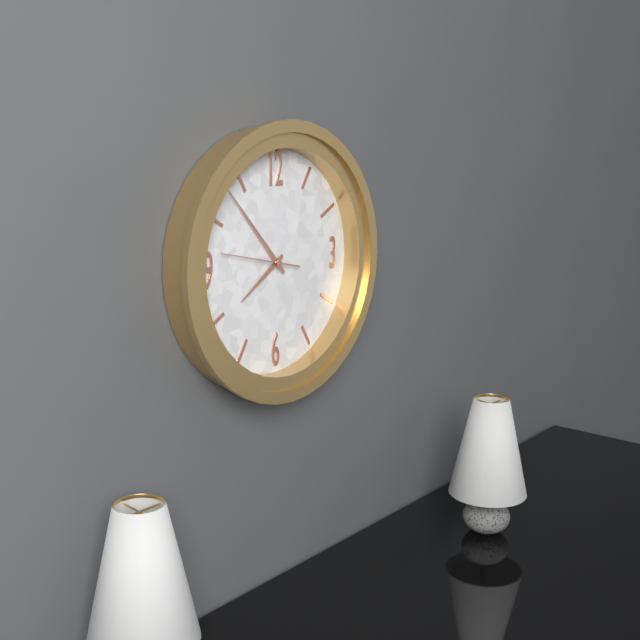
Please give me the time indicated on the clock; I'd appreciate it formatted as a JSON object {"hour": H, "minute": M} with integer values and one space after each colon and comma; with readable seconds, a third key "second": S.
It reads {"hour": 7, "minute": 53, "second": 47}
